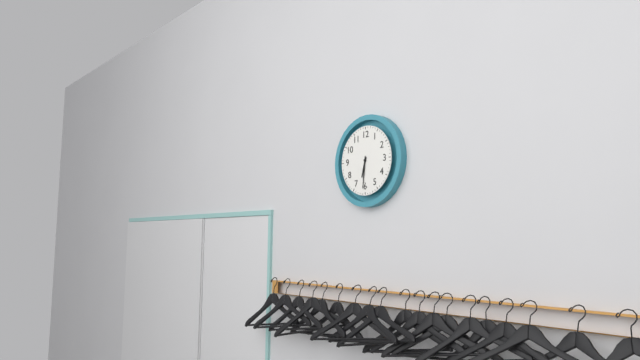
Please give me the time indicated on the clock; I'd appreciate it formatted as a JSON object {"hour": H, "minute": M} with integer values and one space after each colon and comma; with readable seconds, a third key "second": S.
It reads {"hour": 6, "minute": 31}
